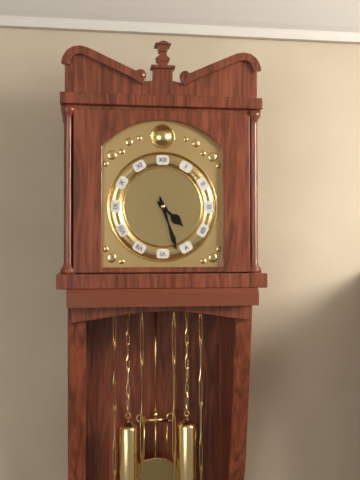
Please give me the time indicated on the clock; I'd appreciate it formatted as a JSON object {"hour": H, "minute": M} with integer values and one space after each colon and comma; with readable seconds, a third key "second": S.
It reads {"hour": 4, "minute": 27}
